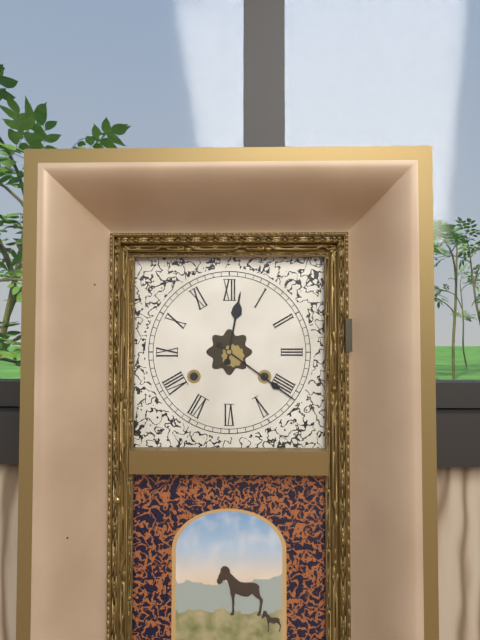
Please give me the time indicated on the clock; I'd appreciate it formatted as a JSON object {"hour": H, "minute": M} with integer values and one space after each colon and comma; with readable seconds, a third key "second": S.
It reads {"hour": 12, "minute": 21}
